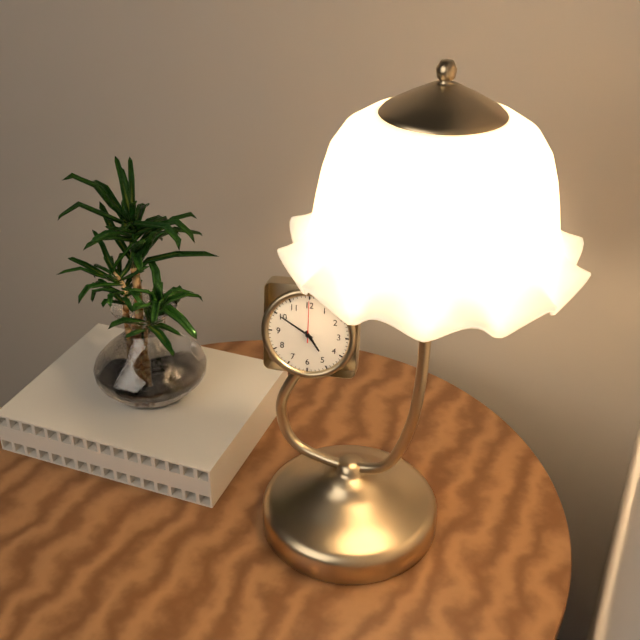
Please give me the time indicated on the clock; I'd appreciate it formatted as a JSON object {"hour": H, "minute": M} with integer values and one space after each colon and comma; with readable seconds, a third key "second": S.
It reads {"hour": 4, "minute": 50}
